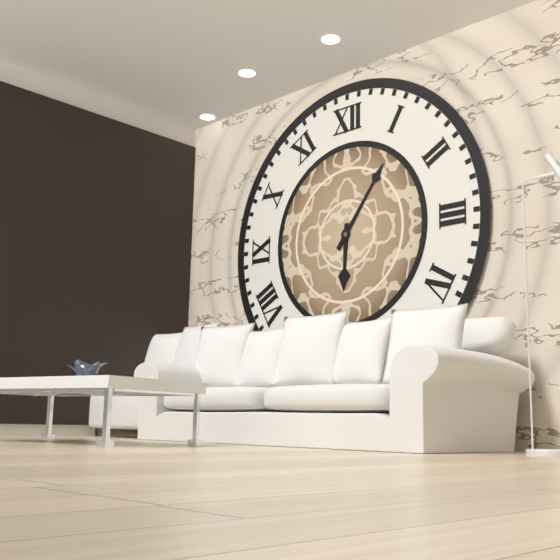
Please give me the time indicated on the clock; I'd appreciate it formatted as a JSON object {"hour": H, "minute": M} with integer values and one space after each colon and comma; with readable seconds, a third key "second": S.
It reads {"hour": 6, "minute": 6}
